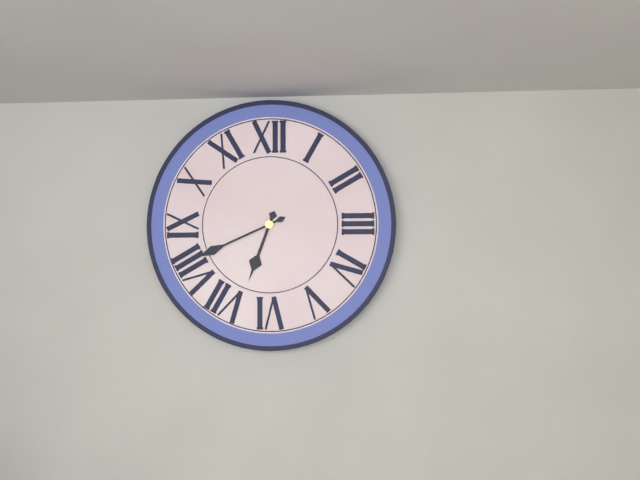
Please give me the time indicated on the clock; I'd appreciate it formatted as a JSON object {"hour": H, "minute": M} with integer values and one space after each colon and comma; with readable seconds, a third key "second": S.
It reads {"hour": 6, "minute": 41}
